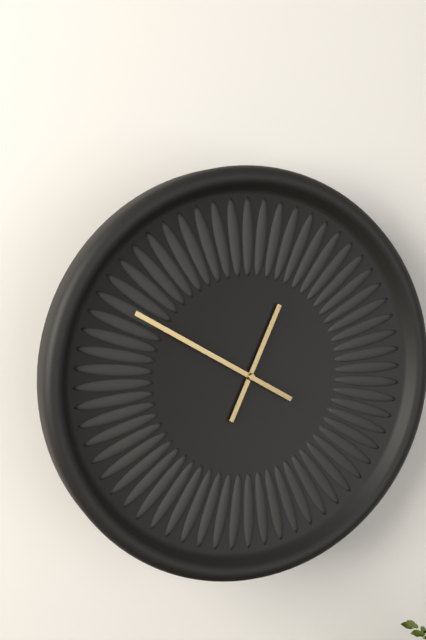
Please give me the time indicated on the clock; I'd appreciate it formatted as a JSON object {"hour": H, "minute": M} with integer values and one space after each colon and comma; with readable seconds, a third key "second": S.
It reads {"hour": 12, "minute": 50}
